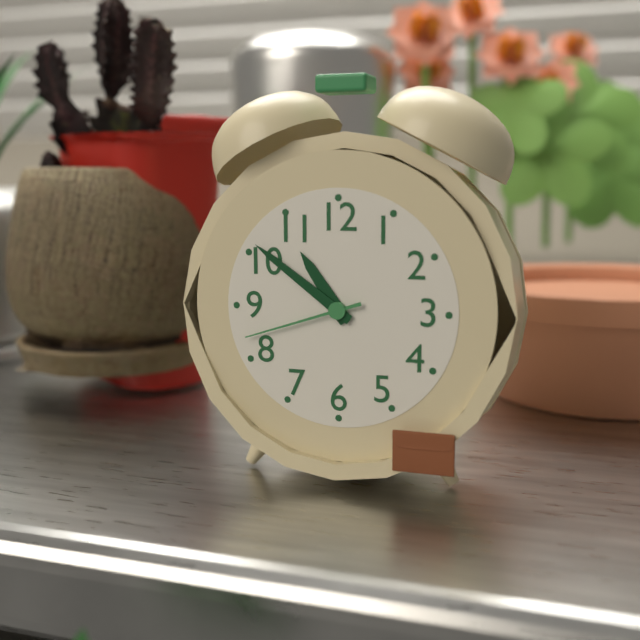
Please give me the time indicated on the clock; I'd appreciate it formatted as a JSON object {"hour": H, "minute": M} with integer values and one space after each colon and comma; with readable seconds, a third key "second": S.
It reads {"hour": 10, "minute": 51, "second": 42}
